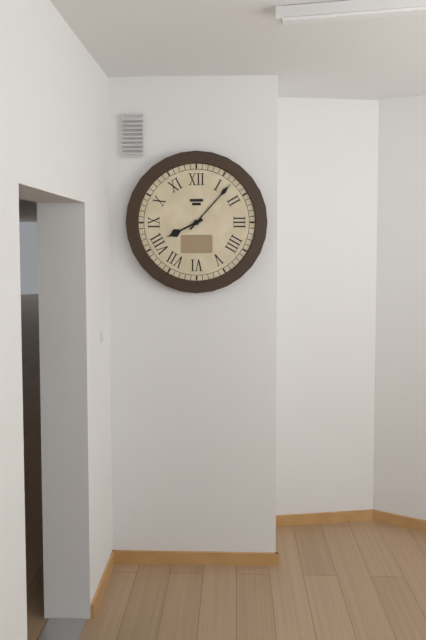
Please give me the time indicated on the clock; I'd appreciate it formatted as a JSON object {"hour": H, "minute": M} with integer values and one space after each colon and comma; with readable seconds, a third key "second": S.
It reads {"hour": 8, "minute": 7}
